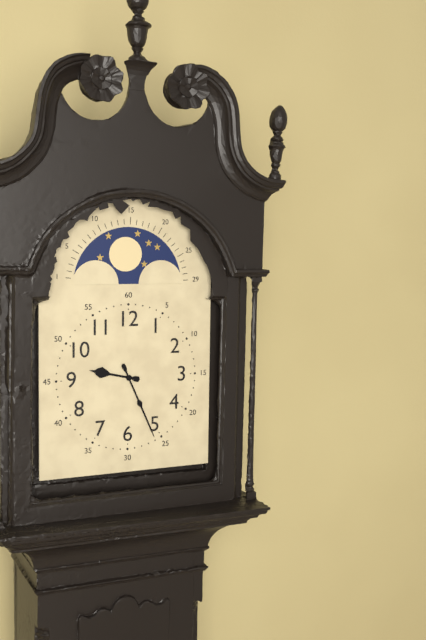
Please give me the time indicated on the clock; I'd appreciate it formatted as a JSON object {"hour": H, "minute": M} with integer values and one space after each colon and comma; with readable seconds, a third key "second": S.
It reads {"hour": 9, "minute": 26}
